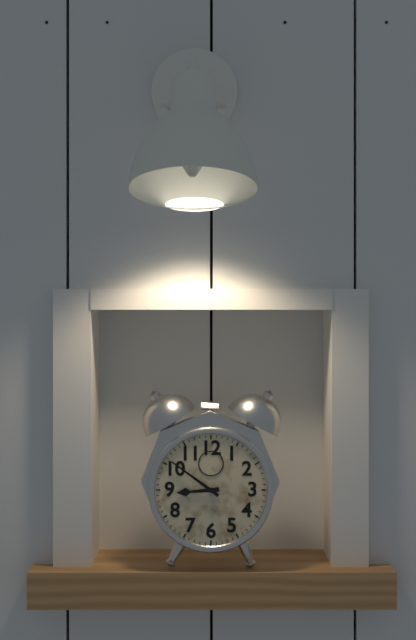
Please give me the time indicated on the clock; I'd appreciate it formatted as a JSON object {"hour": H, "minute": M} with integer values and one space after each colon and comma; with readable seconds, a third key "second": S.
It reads {"hour": 8, "minute": 51}
